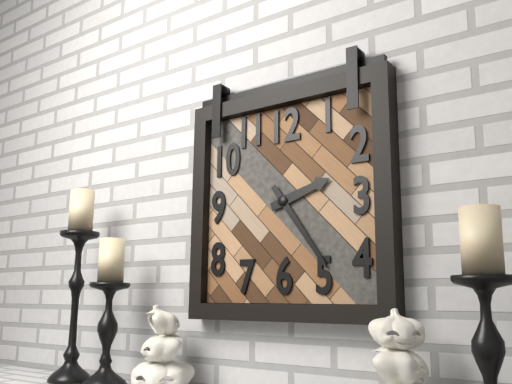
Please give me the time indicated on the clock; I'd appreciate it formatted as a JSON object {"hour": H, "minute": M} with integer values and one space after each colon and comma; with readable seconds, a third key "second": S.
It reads {"hour": 2, "minute": 24}
